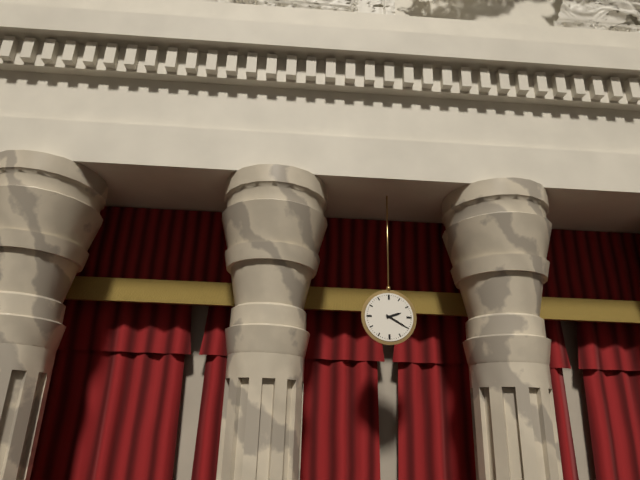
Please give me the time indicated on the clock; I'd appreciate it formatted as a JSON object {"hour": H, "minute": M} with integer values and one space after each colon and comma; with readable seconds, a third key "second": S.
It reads {"hour": 2, "minute": 20}
